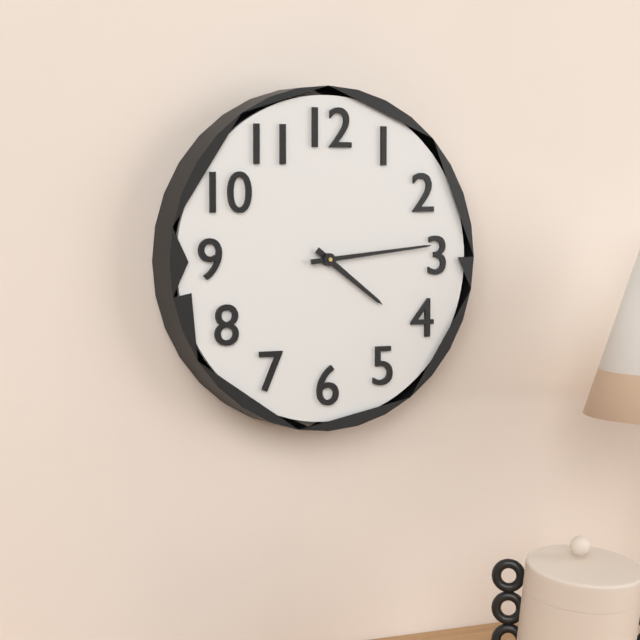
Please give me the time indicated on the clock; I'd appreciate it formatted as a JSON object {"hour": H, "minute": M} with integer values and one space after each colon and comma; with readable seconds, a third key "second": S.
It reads {"hour": 4, "minute": 14}
